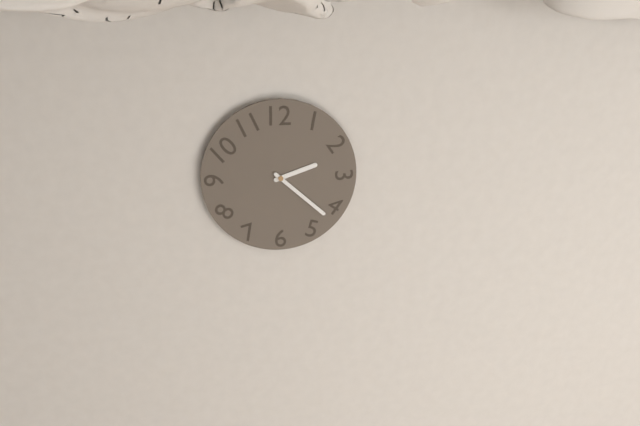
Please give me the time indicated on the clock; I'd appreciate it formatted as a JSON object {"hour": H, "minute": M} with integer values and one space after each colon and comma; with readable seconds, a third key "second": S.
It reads {"hour": 2, "minute": 22}
